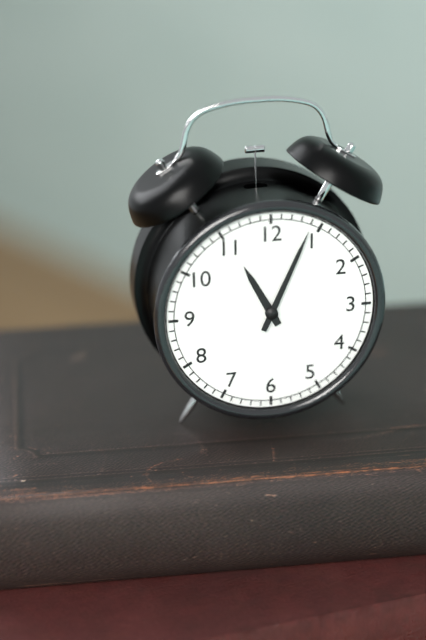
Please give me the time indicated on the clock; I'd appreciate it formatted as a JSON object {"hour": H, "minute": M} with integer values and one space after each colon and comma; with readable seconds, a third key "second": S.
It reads {"hour": 11, "minute": 4}
